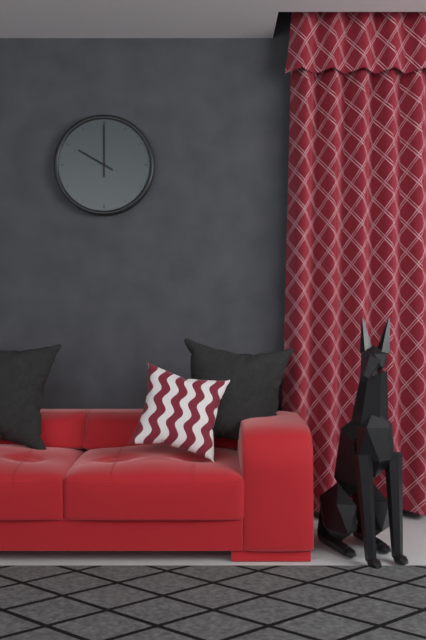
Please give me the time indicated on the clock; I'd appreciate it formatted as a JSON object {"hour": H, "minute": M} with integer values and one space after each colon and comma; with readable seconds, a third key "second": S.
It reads {"hour": 10, "minute": 0}
